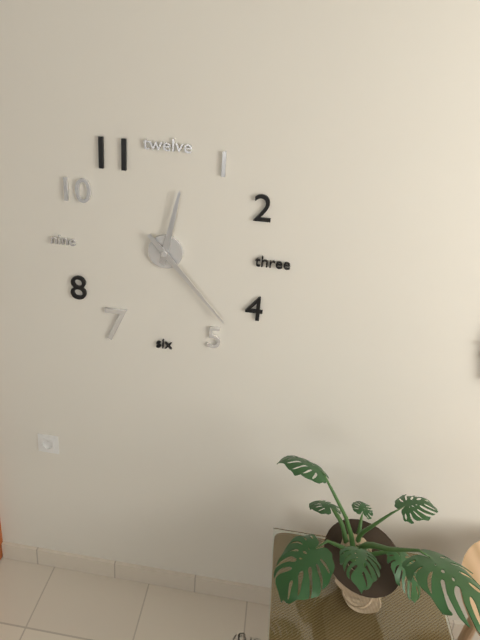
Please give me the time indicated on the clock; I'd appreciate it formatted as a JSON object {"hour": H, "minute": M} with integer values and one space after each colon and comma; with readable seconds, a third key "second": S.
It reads {"hour": 12, "minute": 23}
